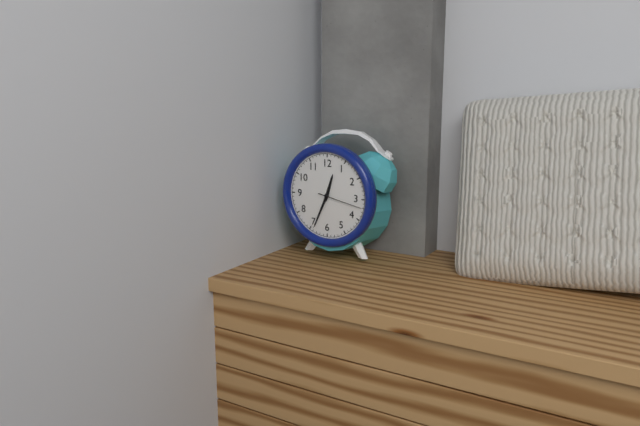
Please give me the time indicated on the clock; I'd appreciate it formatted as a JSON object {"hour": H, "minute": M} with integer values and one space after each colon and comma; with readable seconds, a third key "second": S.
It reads {"hour": 12, "minute": 34}
